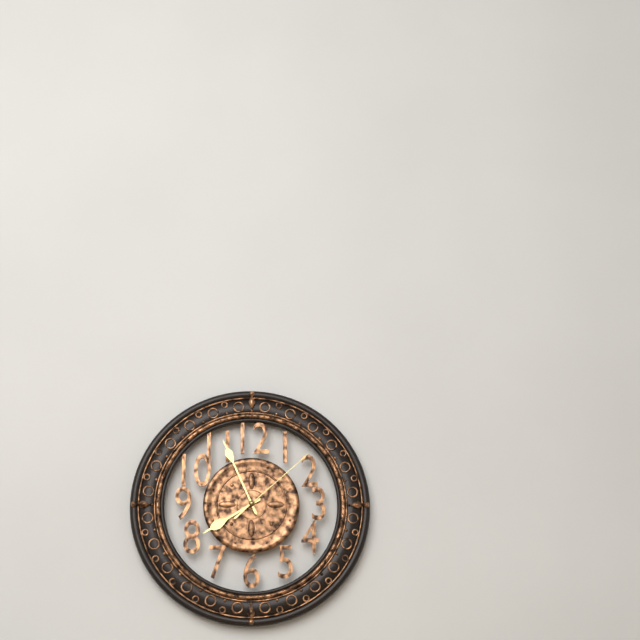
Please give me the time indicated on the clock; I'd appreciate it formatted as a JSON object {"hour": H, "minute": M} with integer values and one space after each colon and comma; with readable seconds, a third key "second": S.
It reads {"hour": 7, "minute": 56, "second": 8}
